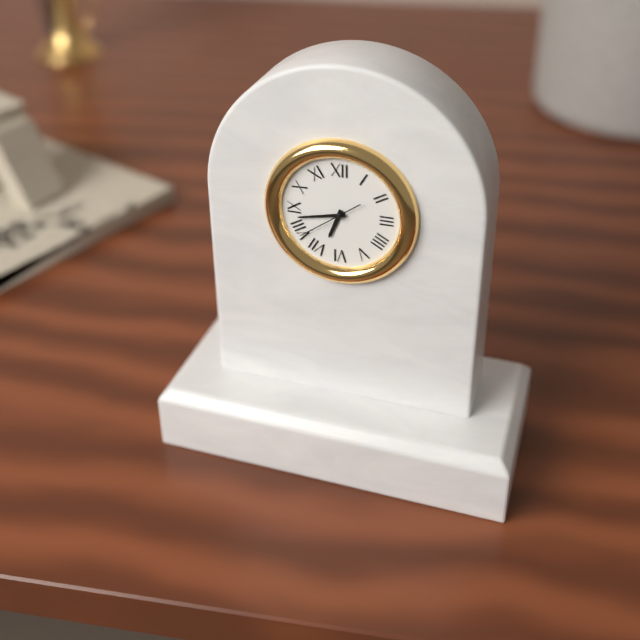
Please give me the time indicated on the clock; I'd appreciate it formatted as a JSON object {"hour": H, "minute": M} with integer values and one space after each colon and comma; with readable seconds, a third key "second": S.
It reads {"hour": 6, "minute": 43, "second": 39}
